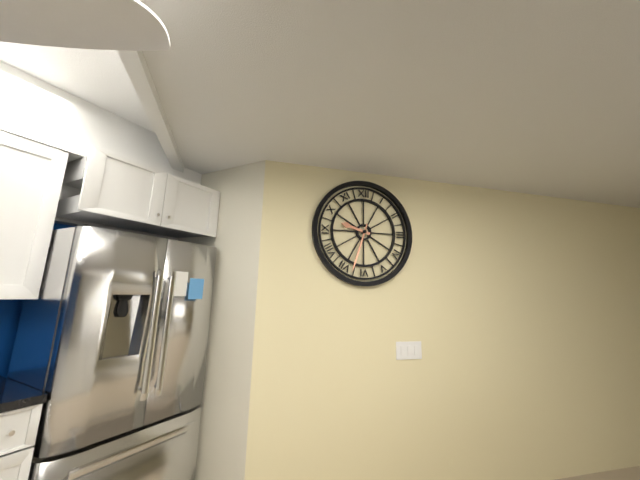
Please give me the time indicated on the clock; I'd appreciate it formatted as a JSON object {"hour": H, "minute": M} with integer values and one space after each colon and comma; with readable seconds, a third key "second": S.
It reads {"hour": 9, "minute": 33}
